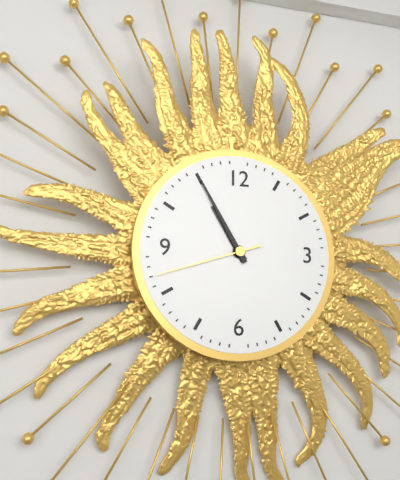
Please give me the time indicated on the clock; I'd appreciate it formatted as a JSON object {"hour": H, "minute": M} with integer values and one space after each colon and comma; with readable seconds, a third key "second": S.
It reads {"hour": 10, "minute": 55, "second": 42}
